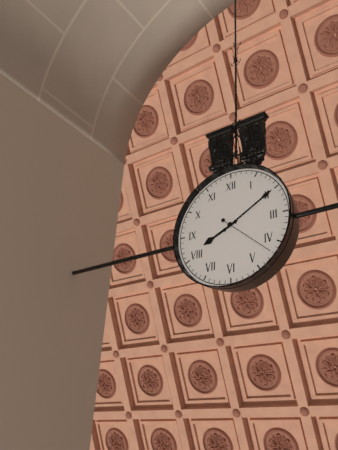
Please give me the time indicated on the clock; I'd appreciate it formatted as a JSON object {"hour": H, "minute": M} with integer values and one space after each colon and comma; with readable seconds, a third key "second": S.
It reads {"hour": 8, "minute": 10, "second": 22}
